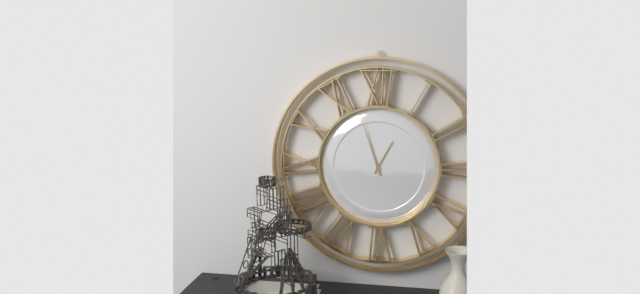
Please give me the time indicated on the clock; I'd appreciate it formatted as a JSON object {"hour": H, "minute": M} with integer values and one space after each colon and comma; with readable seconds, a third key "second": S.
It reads {"hour": 12, "minute": 57}
